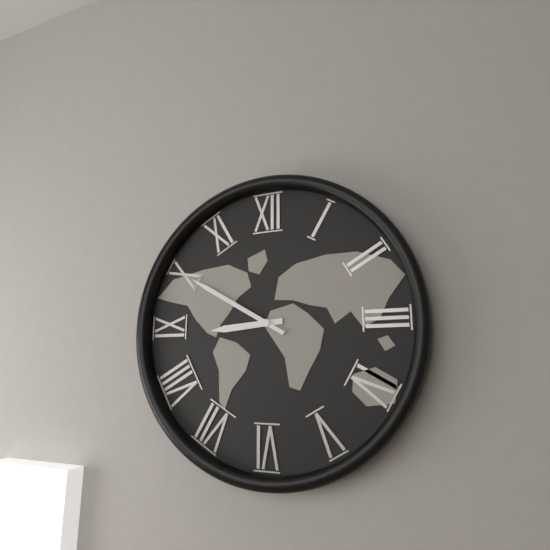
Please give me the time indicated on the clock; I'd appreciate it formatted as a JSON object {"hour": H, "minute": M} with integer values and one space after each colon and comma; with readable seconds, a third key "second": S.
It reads {"hour": 8, "minute": 50}
